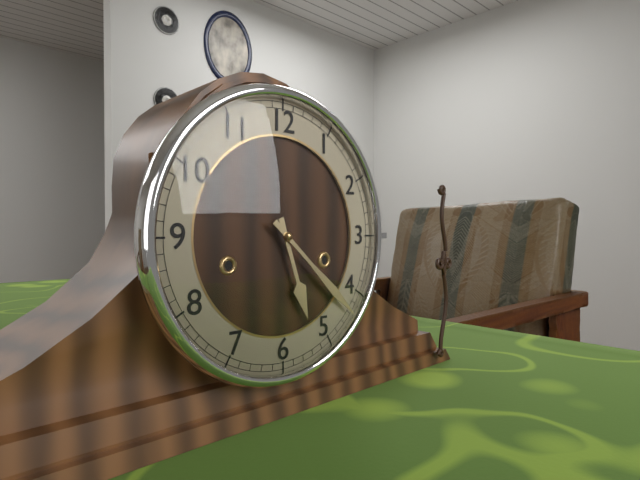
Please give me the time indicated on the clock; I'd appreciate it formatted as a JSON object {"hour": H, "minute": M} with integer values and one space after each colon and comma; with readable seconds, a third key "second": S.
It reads {"hour": 5, "minute": 22}
